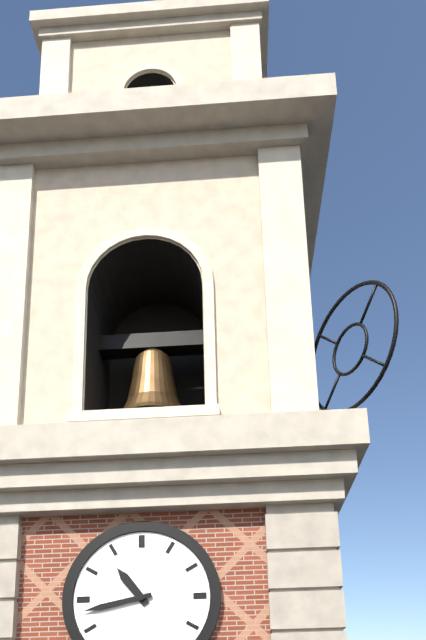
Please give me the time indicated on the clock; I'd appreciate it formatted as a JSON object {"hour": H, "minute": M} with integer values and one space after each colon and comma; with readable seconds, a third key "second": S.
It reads {"hour": 10, "minute": 43}
